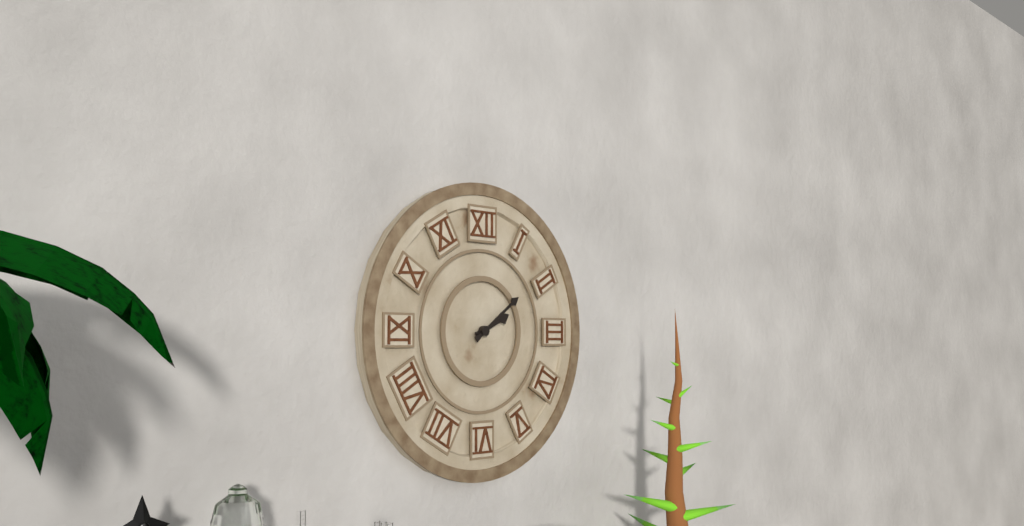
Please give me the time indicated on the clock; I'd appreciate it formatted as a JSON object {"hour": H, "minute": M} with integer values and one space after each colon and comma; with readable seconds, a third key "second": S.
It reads {"hour": 2, "minute": 9}
